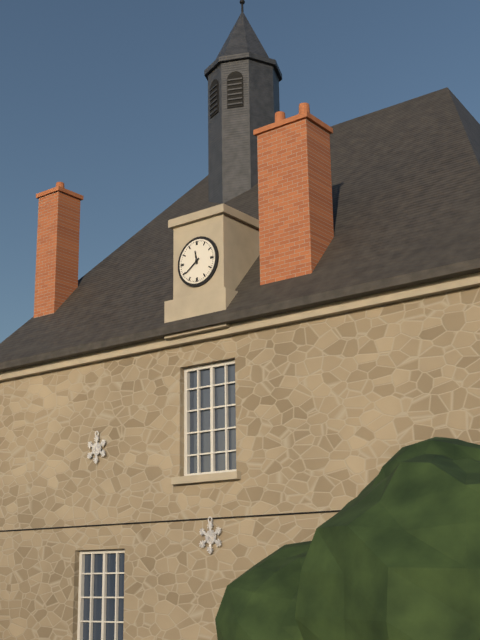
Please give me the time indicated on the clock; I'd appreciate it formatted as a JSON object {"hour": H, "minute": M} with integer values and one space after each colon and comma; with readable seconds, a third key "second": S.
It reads {"hour": 11, "minute": 39}
